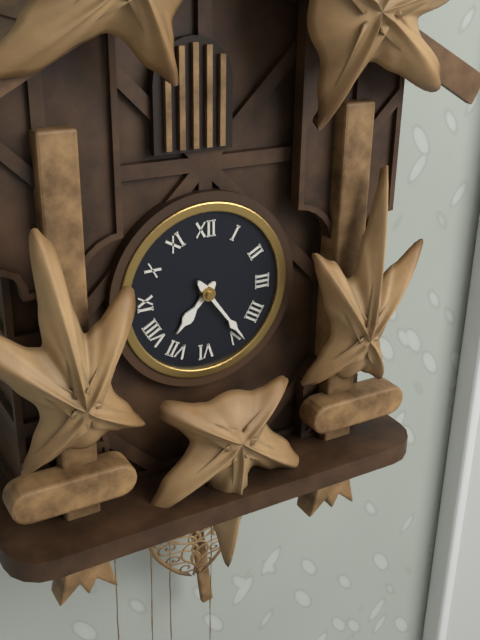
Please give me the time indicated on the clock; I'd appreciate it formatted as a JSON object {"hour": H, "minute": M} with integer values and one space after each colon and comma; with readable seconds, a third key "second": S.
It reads {"hour": 7, "minute": 24}
